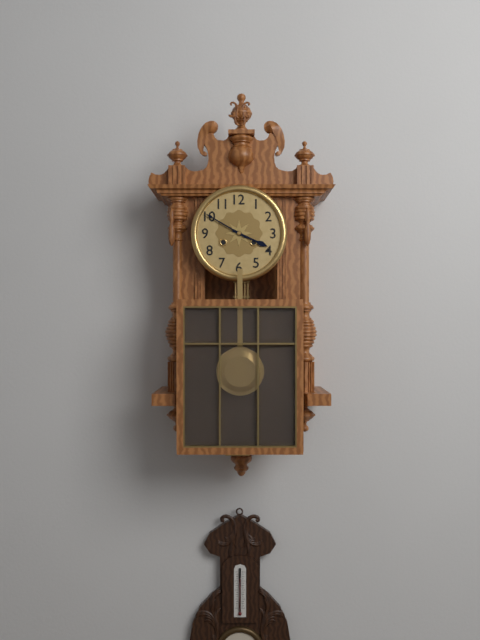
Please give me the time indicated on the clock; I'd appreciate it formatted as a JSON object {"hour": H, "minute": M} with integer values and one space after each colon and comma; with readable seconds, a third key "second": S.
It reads {"hour": 3, "minute": 50}
